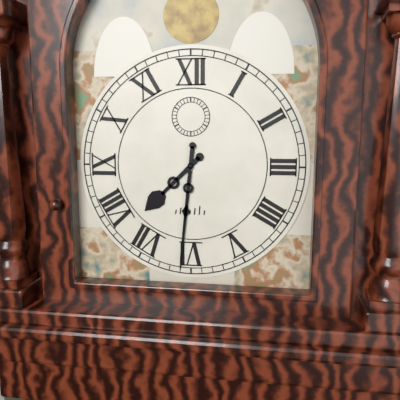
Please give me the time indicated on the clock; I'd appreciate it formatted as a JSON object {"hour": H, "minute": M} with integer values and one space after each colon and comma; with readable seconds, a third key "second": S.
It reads {"hour": 7, "minute": 31}
